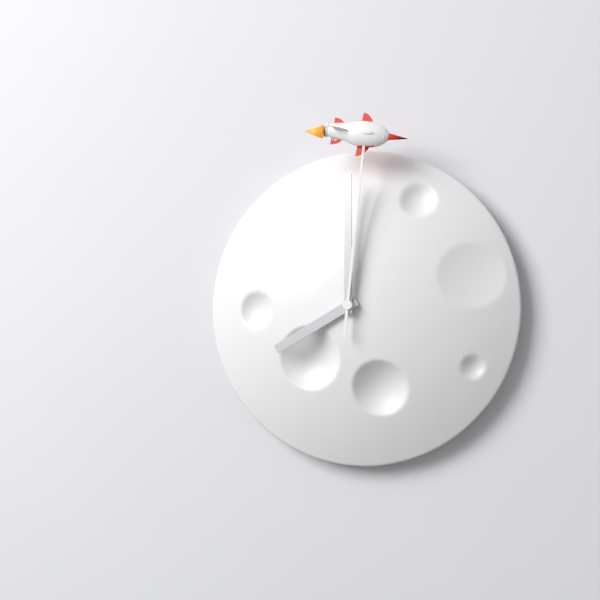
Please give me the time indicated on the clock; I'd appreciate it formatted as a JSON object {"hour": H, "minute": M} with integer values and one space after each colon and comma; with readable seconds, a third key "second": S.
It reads {"hour": 8, "minute": 0, "second": 1}
